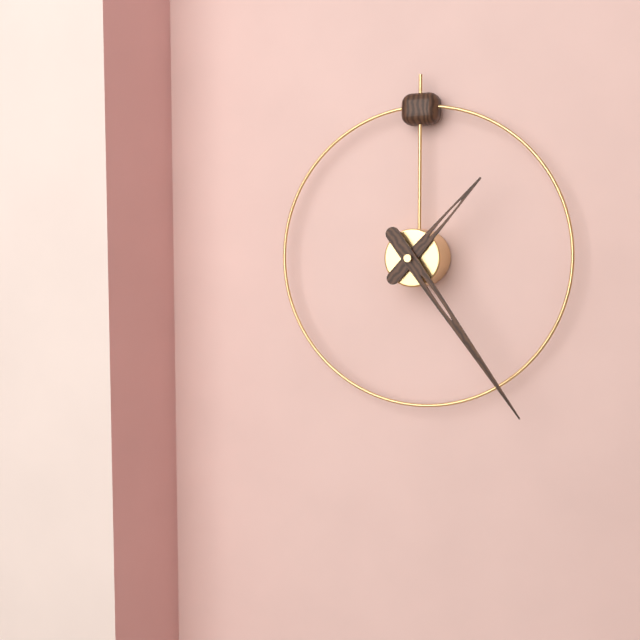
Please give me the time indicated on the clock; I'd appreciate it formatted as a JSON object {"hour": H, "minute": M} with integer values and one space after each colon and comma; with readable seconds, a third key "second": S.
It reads {"hour": 1, "minute": 24}
